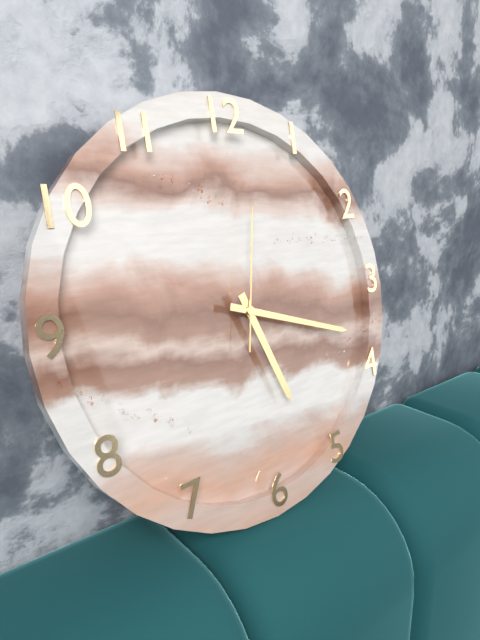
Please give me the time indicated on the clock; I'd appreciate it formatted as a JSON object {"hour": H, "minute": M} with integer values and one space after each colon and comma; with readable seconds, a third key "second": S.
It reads {"hour": 5, "minute": 18, "second": 2}
